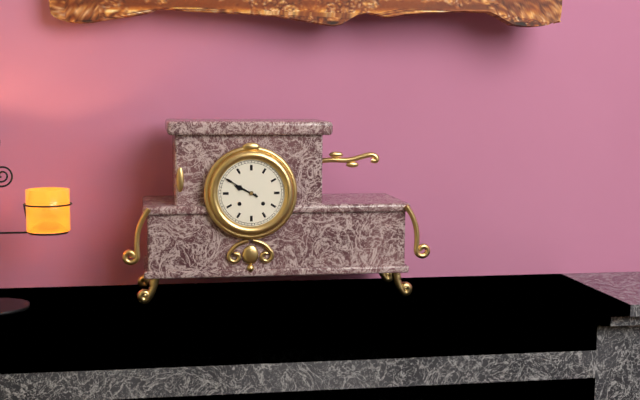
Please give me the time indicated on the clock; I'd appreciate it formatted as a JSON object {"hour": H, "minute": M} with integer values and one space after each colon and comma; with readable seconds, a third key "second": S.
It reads {"hour": 9, "minute": 50}
